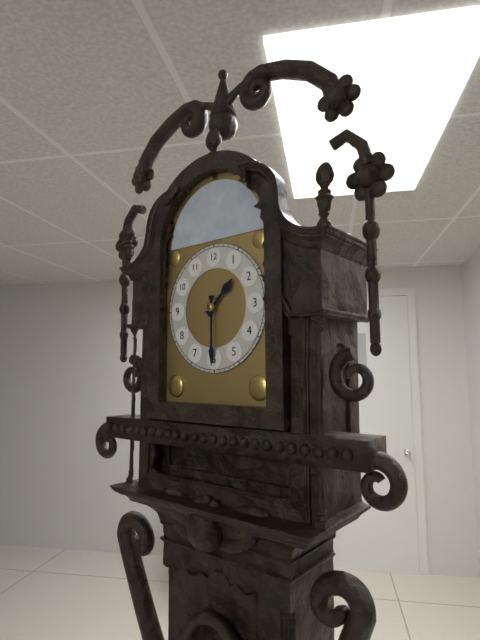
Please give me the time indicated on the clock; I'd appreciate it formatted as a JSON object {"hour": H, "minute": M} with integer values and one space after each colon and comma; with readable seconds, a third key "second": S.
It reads {"hour": 1, "minute": 30}
